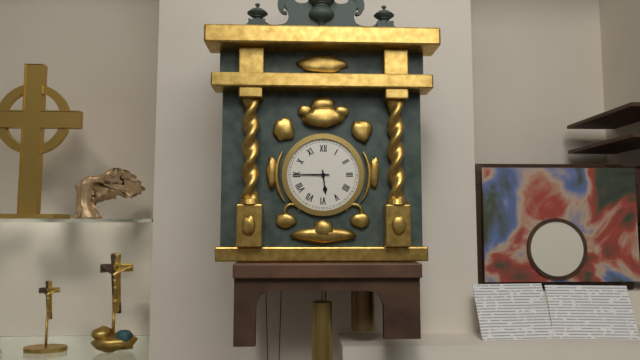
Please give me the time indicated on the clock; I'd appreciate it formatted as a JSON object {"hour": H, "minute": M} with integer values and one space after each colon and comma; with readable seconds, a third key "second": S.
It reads {"hour": 5, "minute": 45}
